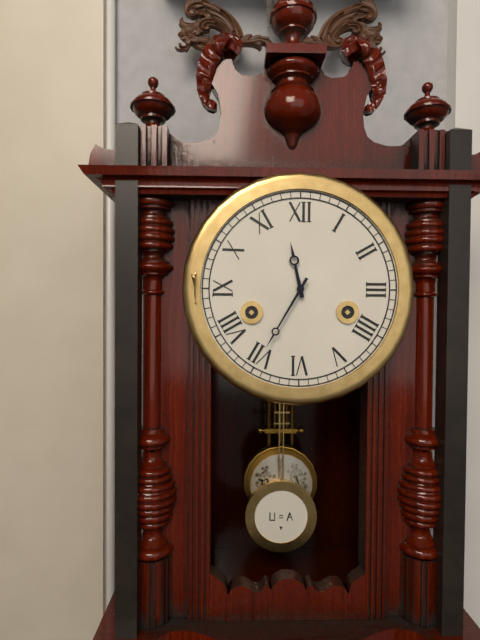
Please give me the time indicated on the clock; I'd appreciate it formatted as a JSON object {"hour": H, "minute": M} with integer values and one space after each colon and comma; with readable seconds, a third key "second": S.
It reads {"hour": 11, "minute": 35}
